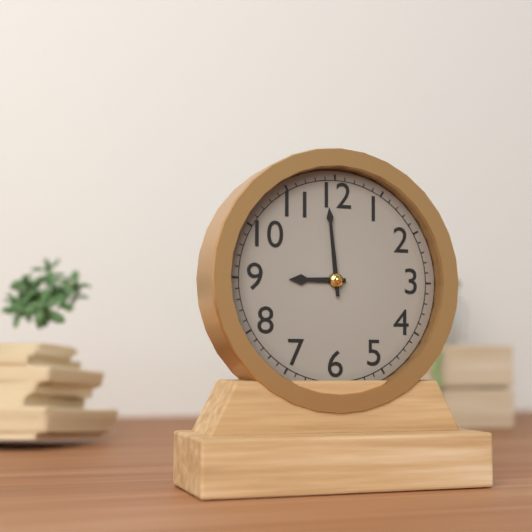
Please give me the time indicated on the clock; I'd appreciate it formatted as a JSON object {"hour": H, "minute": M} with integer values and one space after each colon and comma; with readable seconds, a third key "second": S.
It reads {"hour": 8, "minute": 59}
